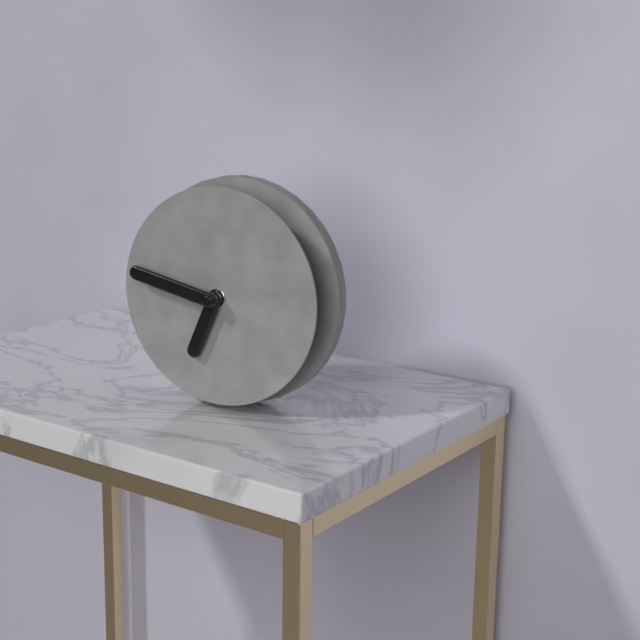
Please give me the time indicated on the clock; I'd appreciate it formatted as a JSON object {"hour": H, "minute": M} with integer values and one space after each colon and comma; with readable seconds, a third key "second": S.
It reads {"hour": 6, "minute": 47}
